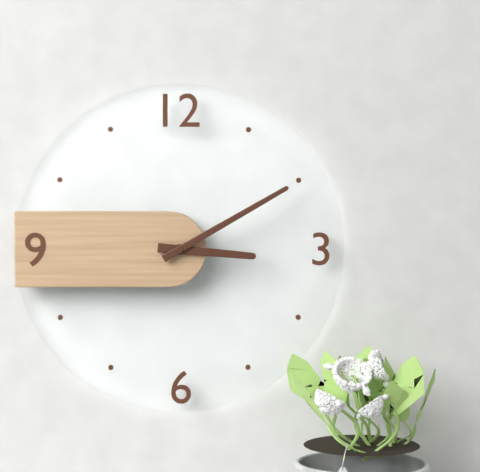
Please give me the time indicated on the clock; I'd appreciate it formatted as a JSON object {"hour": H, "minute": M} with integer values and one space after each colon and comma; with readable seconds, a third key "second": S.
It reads {"hour": 3, "minute": 10}
